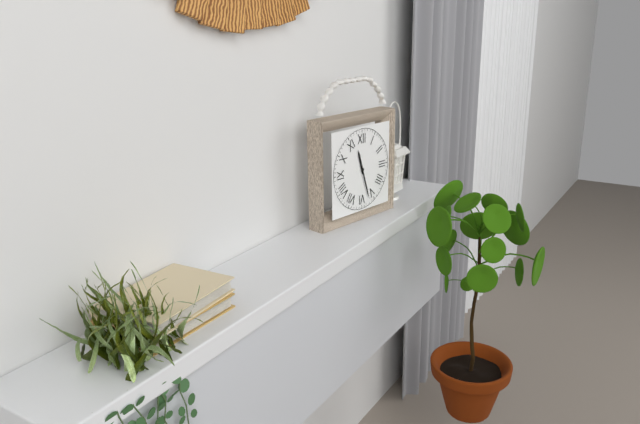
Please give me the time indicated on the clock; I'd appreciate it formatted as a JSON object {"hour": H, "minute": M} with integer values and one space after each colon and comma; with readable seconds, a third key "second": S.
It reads {"hour": 11, "minute": 27}
